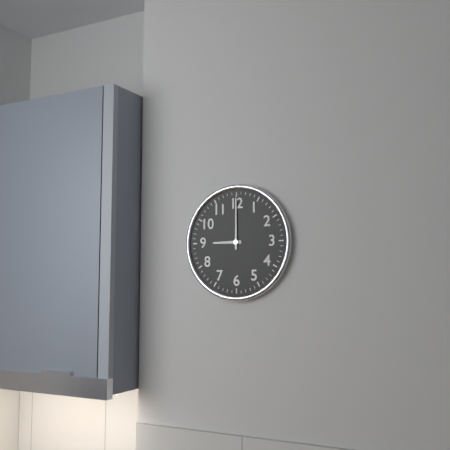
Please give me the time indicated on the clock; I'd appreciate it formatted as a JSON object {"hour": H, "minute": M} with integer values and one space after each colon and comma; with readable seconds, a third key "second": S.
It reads {"hour": 9, "minute": 0}
